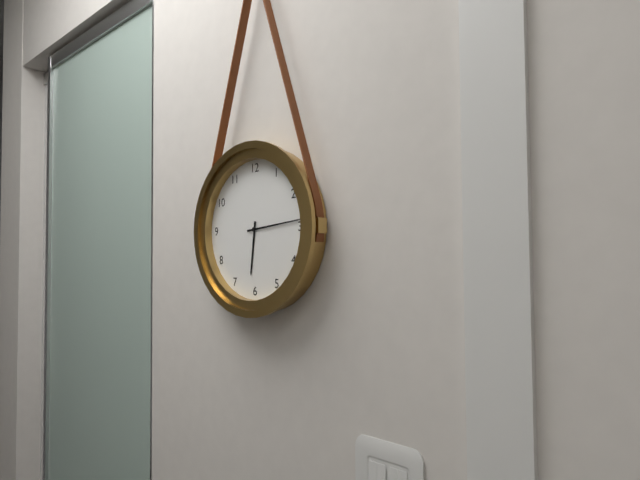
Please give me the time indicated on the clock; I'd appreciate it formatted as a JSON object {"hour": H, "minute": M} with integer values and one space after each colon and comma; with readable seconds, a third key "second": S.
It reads {"hour": 6, "minute": 14}
